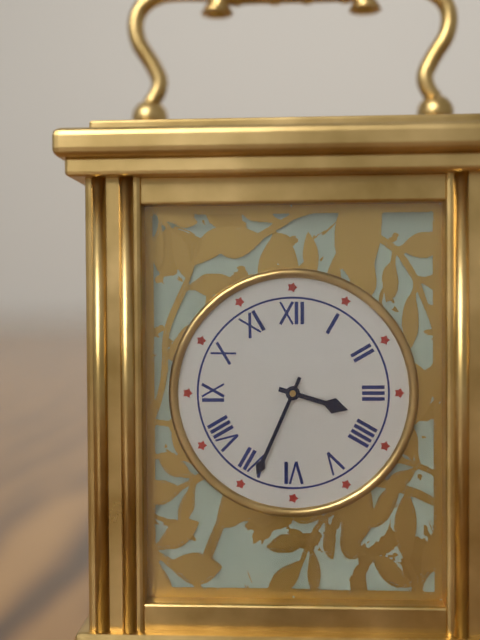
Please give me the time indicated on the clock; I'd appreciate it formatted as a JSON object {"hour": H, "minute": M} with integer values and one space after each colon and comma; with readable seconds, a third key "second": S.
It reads {"hour": 3, "minute": 34}
